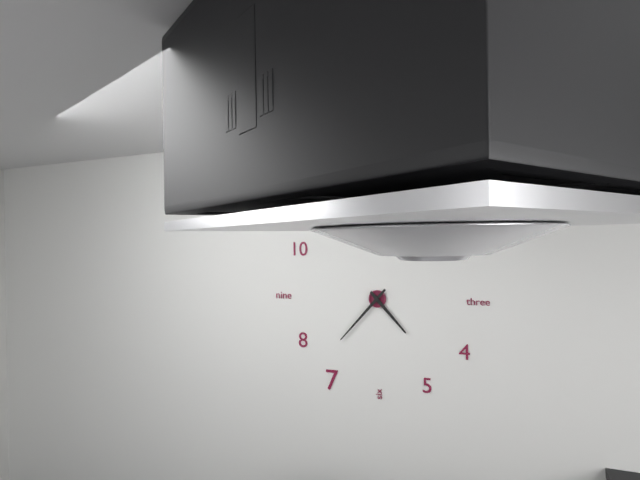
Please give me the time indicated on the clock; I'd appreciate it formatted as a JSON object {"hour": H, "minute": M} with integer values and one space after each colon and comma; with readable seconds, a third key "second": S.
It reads {"hour": 4, "minute": 37}
